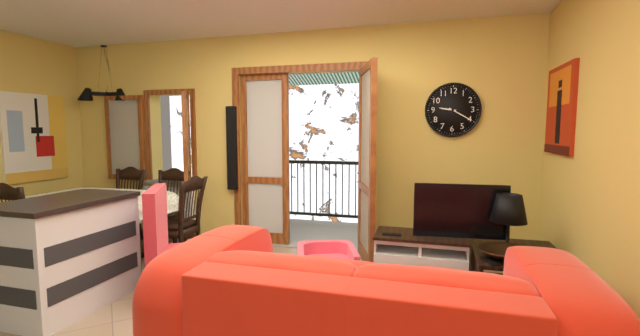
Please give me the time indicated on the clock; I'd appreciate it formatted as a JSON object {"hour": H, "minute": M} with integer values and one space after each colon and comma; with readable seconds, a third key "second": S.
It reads {"hour": 9, "minute": 20}
